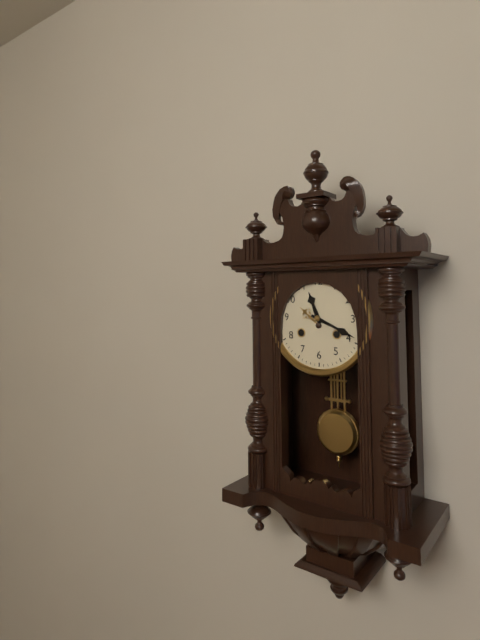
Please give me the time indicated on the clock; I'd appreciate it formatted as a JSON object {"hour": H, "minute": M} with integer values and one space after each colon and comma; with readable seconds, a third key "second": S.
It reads {"hour": 11, "minute": 19}
